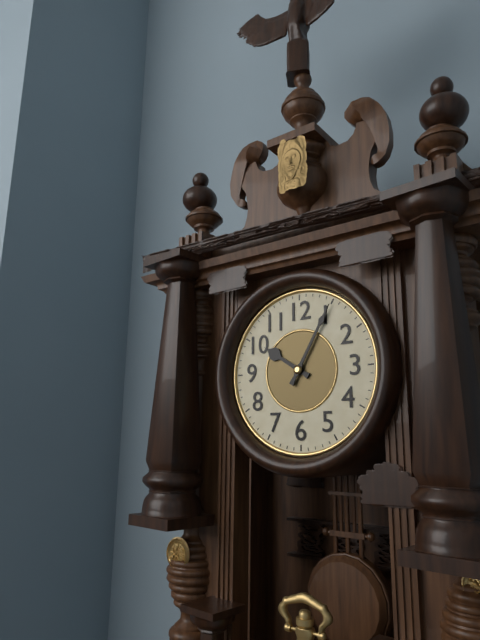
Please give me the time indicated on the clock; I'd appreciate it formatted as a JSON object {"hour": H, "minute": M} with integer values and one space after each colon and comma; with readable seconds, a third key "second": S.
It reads {"hour": 10, "minute": 5}
